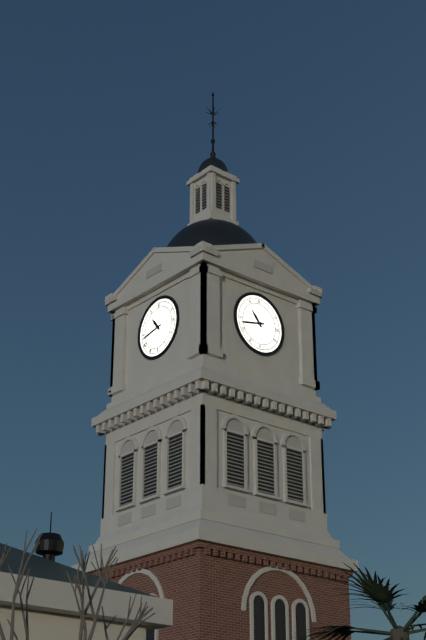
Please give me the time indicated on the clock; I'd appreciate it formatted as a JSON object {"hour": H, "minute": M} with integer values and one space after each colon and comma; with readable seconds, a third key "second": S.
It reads {"hour": 10, "minute": 43}
